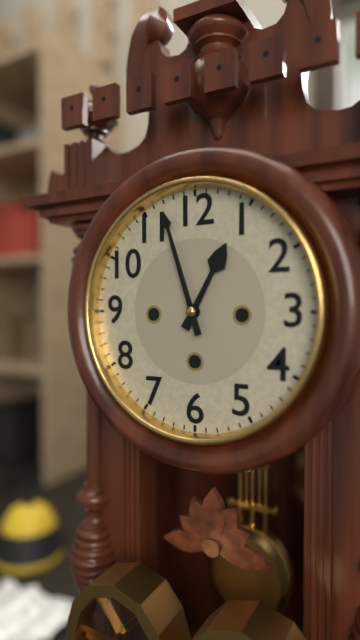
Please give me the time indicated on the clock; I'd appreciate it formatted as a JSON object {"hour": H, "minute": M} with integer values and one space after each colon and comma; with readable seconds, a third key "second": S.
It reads {"hour": 12, "minute": 57}
